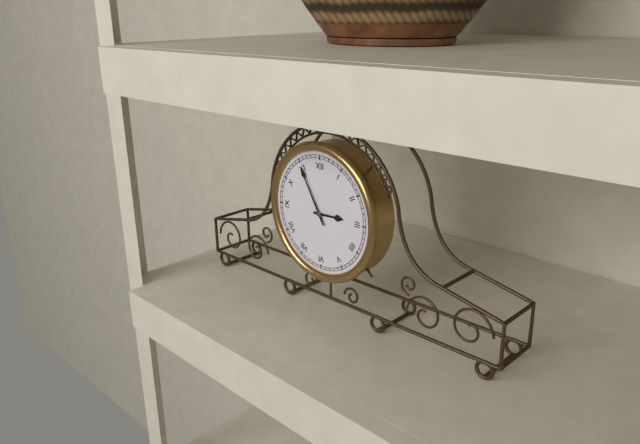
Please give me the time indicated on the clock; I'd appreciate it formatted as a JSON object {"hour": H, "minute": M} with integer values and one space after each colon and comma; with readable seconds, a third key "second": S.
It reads {"hour": 2, "minute": 55}
